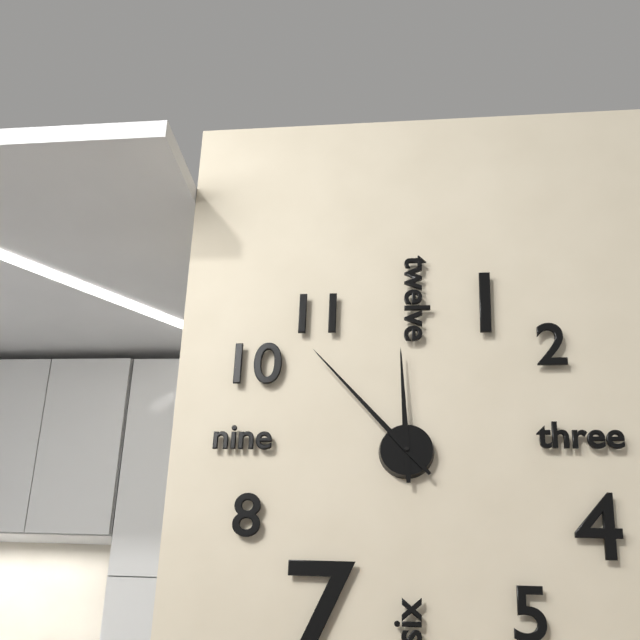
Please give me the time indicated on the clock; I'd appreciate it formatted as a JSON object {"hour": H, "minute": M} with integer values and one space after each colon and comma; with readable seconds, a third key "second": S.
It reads {"hour": 11, "minute": 53}
